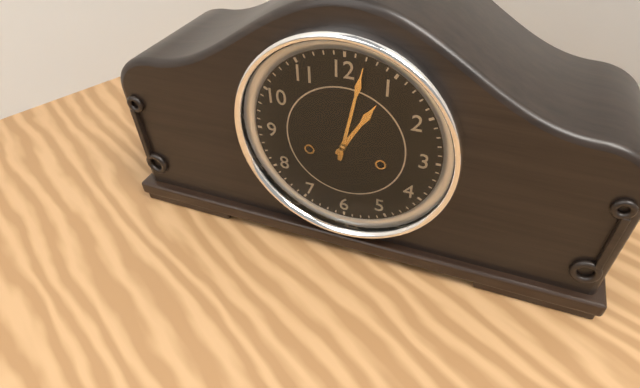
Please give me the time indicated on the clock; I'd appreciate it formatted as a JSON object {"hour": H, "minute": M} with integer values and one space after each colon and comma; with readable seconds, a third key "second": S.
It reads {"hour": 1, "minute": 2}
